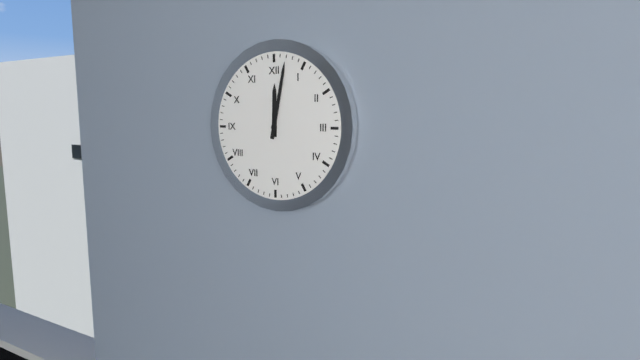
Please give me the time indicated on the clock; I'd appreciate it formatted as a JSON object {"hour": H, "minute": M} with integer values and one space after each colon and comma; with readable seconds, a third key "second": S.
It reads {"hour": 12, "minute": 2}
